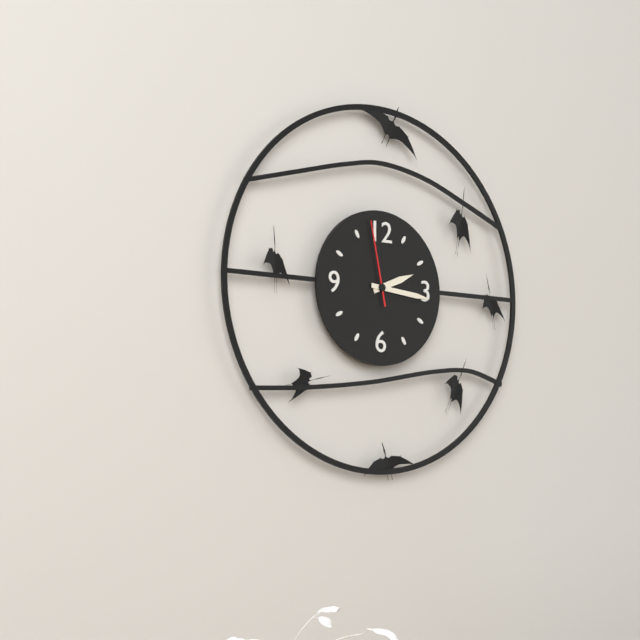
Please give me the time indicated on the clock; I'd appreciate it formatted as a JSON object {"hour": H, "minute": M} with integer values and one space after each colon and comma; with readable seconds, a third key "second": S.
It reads {"hour": 2, "minute": 16, "second": 58}
